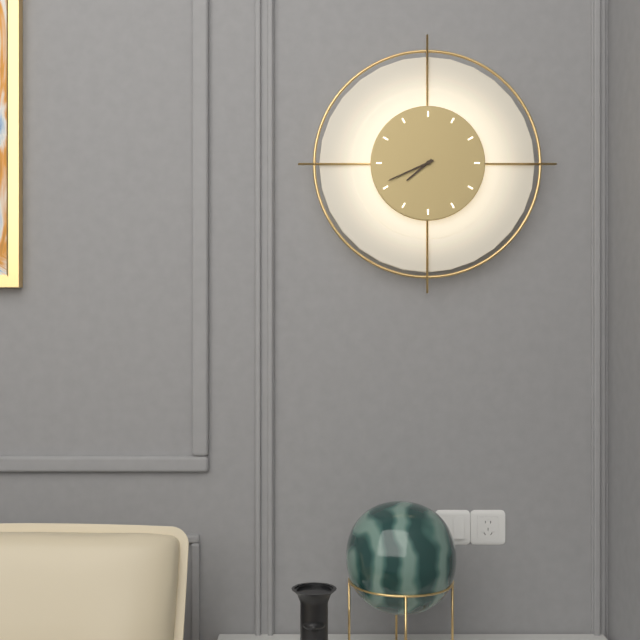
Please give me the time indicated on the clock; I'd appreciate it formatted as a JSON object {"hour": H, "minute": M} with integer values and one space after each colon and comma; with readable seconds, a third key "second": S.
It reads {"hour": 7, "minute": 41}
